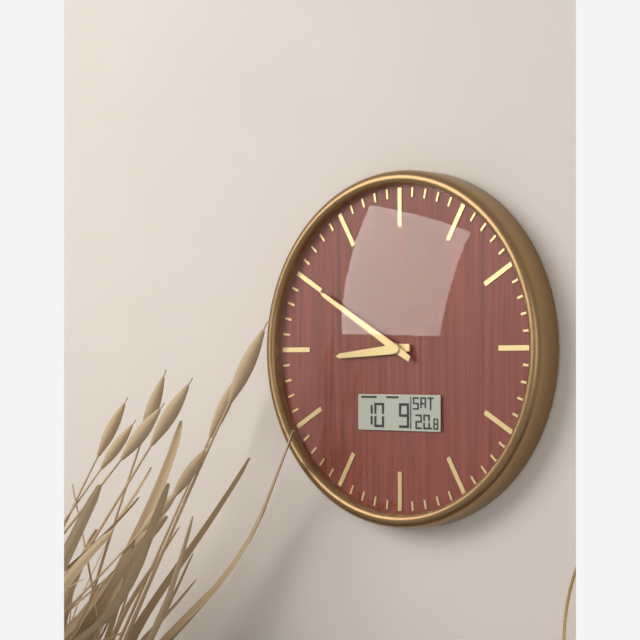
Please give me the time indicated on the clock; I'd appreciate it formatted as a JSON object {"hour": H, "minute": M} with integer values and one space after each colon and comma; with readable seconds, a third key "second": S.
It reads {"hour": 8, "minute": 50}
